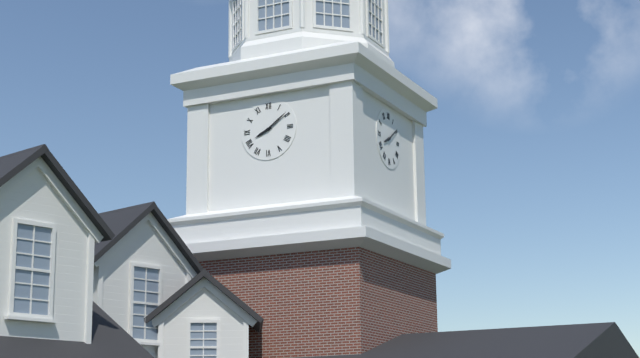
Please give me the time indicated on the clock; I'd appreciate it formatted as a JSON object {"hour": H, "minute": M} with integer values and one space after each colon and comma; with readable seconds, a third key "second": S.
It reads {"hour": 8, "minute": 9}
